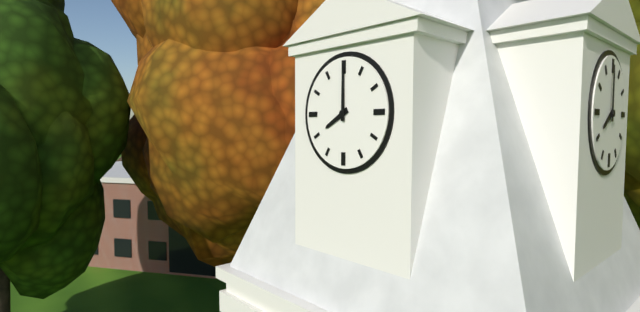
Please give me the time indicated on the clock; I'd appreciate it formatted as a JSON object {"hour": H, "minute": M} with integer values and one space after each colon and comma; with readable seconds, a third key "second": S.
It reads {"hour": 8, "minute": 0}
